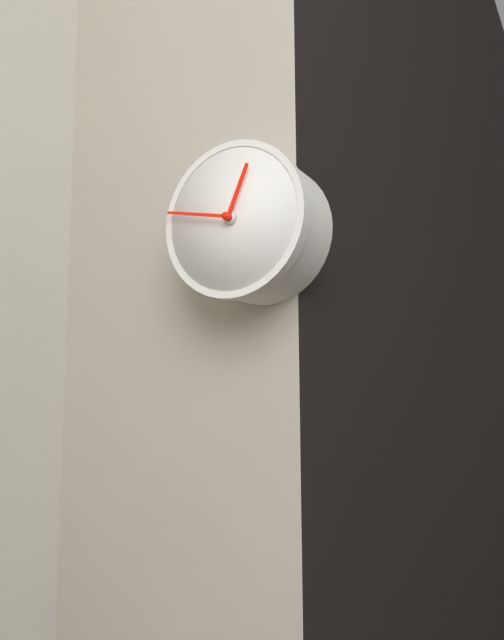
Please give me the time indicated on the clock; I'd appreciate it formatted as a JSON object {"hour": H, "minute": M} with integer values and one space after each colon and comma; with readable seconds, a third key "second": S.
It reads {"hour": 12, "minute": 47}
